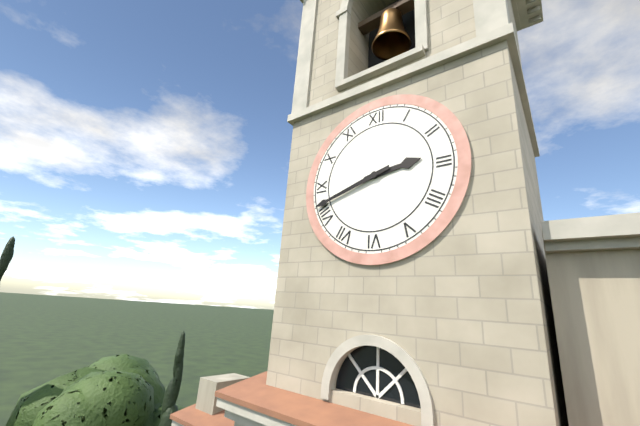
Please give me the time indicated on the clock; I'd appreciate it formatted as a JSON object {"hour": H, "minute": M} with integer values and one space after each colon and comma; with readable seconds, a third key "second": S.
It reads {"hour": 2, "minute": 42}
